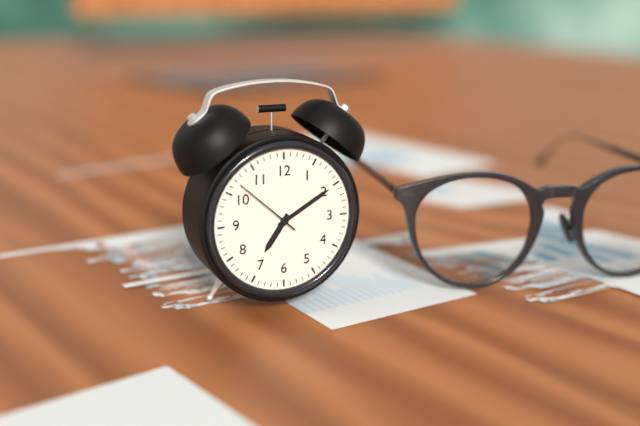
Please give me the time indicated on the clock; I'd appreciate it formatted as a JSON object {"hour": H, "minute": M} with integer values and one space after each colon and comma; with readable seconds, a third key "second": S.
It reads {"hour": 7, "minute": 10, "second": 52}
